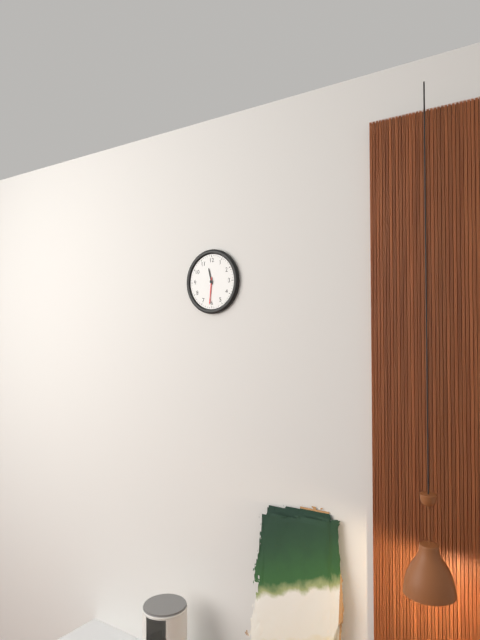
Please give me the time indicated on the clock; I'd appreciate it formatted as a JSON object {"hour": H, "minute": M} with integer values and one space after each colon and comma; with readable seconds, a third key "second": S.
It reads {"hour": 11, "minute": 31}
